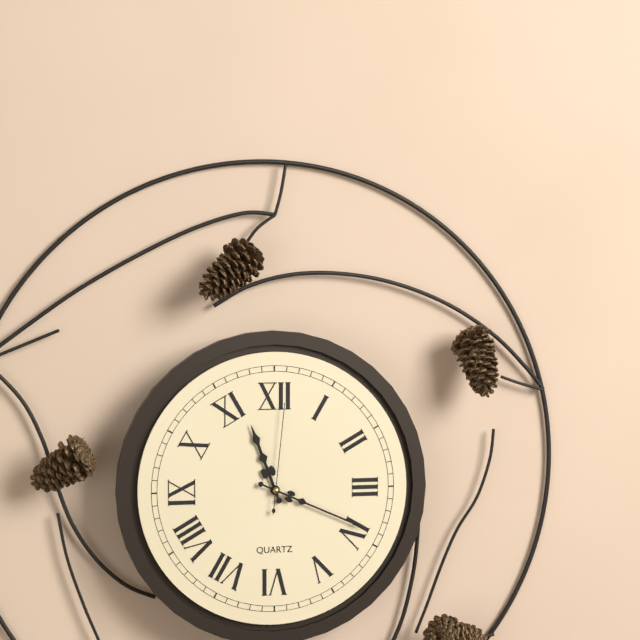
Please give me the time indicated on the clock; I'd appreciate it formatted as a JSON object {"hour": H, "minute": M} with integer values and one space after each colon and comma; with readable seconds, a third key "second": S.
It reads {"hour": 11, "minute": 19, "second": 1}
